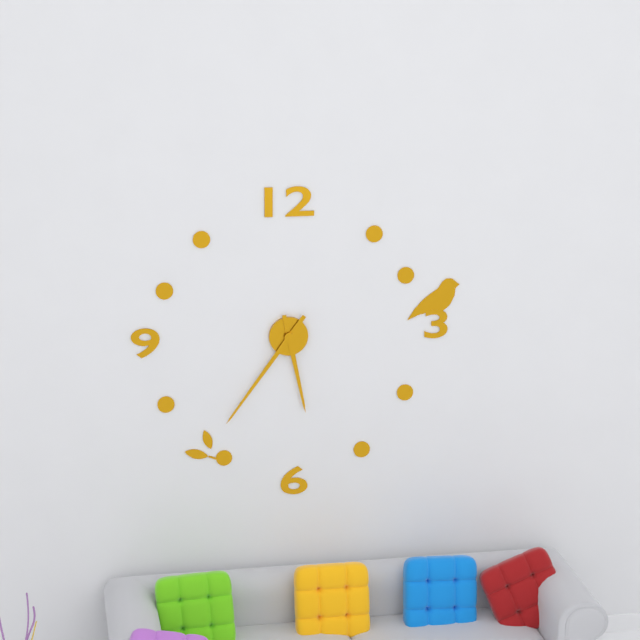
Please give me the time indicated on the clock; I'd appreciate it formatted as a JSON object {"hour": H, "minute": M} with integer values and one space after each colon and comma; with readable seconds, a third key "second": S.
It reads {"hour": 5, "minute": 36}
